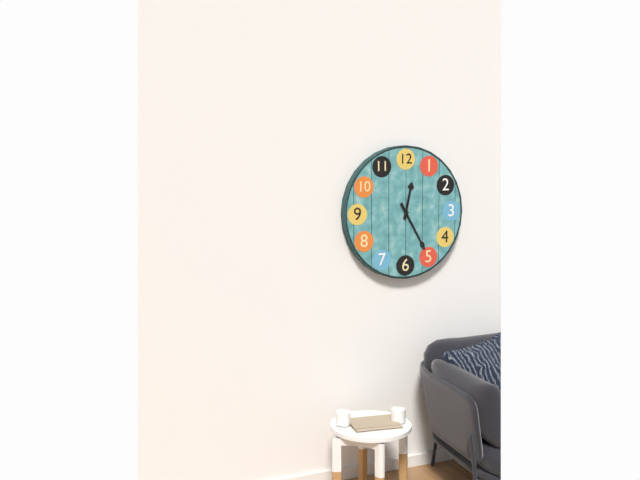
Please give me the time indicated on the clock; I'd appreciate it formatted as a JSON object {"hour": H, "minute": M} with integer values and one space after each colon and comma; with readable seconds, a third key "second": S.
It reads {"hour": 12, "minute": 25}
